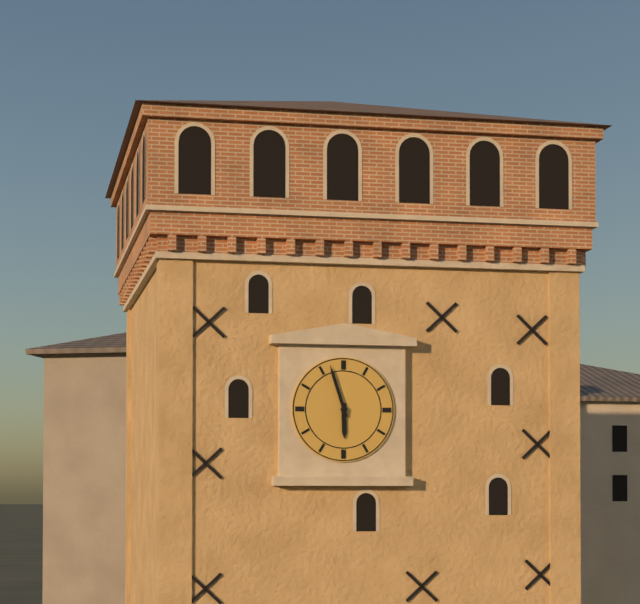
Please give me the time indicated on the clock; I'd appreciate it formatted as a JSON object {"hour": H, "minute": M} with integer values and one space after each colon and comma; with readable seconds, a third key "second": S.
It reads {"hour": 5, "minute": 57}
